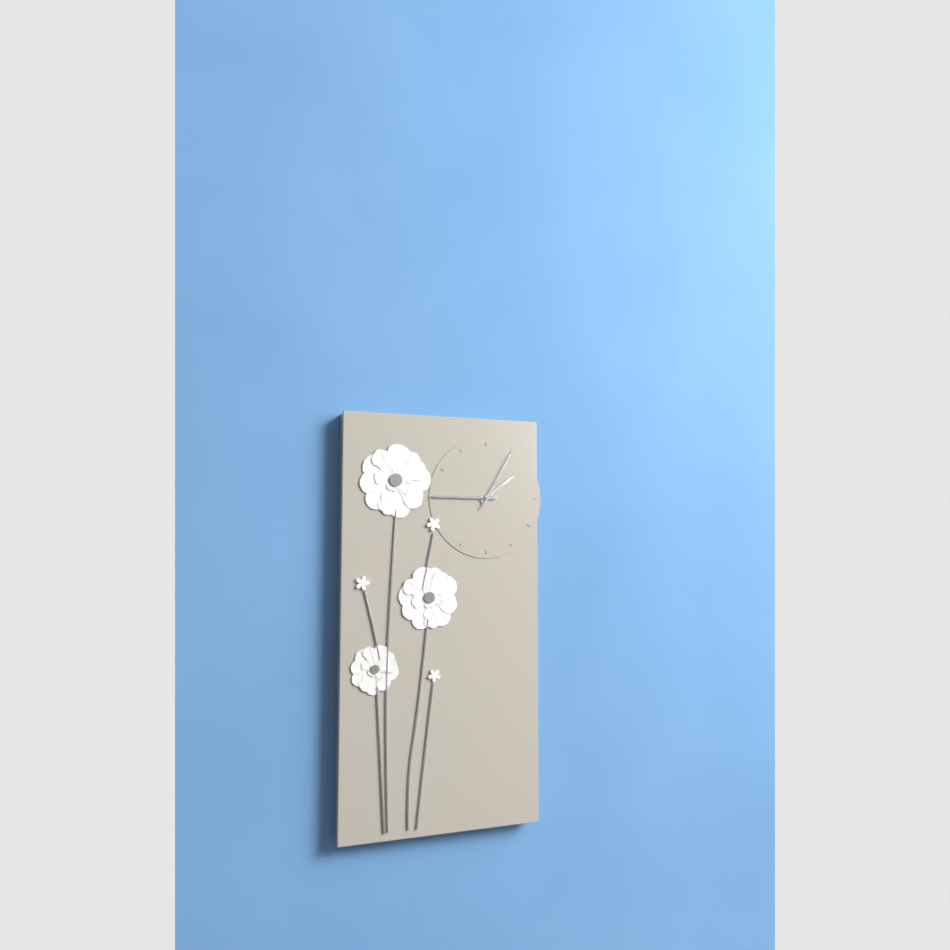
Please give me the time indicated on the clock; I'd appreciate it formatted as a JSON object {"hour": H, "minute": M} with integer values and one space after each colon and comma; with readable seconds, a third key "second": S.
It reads {"hour": 1, "minute": 45, "second": 5}
